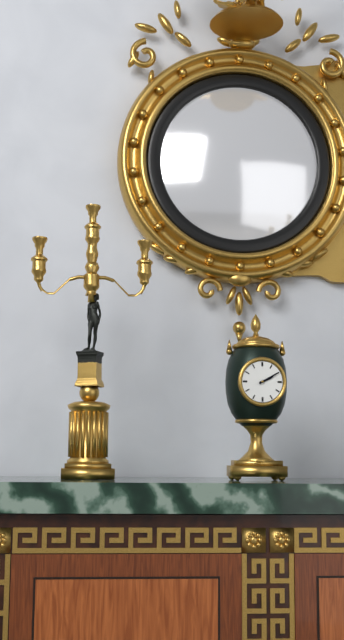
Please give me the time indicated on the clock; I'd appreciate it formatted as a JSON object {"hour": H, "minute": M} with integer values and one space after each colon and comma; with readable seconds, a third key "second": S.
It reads {"hour": 2, "minute": 10}
